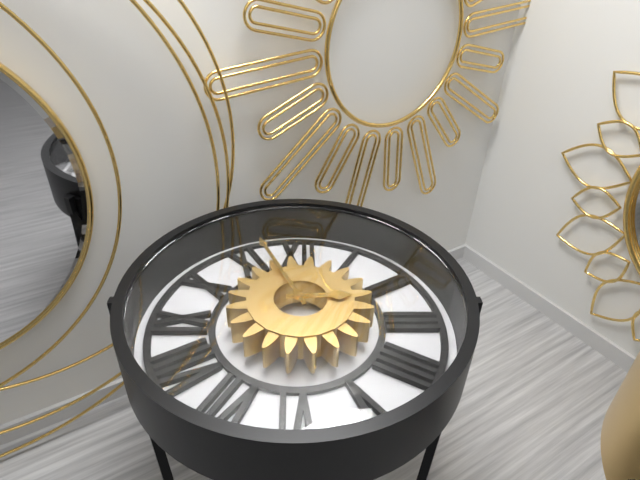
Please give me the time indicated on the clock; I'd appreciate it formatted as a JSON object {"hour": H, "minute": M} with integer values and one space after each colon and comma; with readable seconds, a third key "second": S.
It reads {"hour": 2, "minute": 56}
